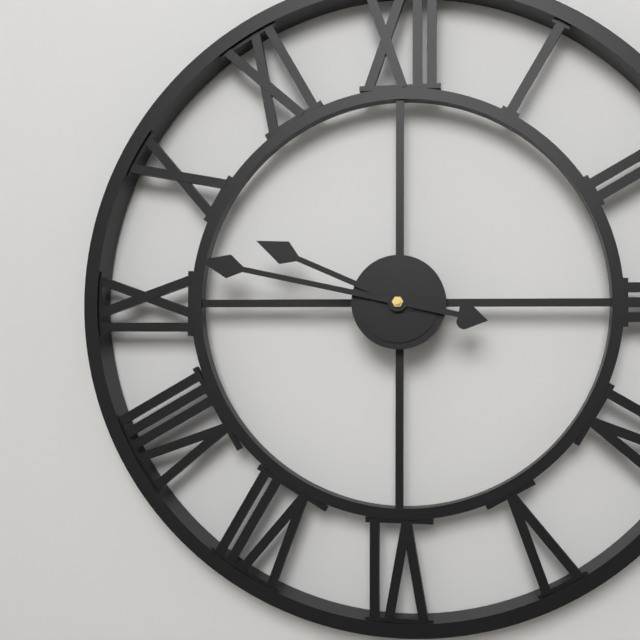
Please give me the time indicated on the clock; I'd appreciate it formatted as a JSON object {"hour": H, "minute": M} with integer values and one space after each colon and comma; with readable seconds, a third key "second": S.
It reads {"hour": 9, "minute": 47}
